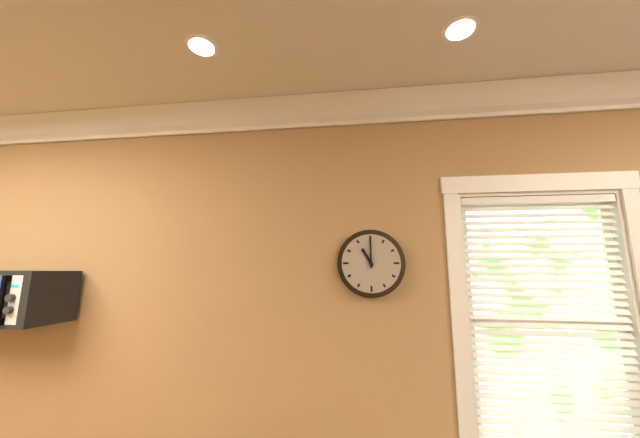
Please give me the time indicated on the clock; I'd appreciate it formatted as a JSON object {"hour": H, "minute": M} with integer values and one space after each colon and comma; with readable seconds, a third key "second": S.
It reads {"hour": 11, "minute": 0}
